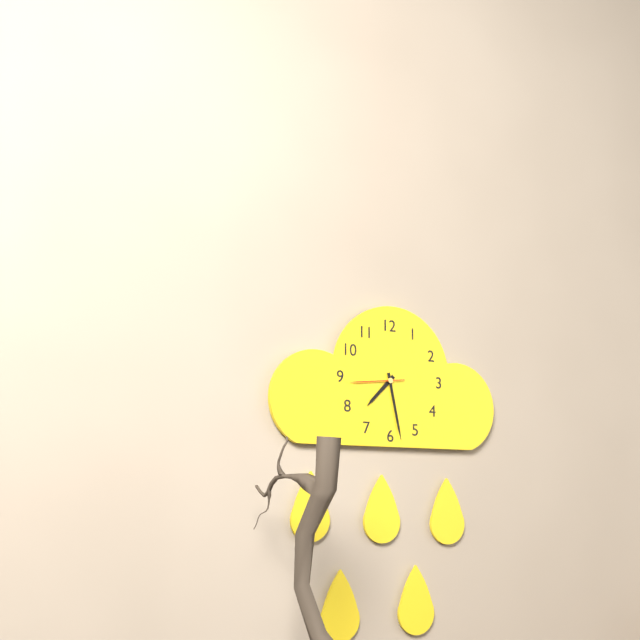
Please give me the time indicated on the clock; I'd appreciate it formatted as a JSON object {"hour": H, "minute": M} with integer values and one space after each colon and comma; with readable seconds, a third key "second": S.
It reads {"hour": 7, "minute": 28, "second": 44}
